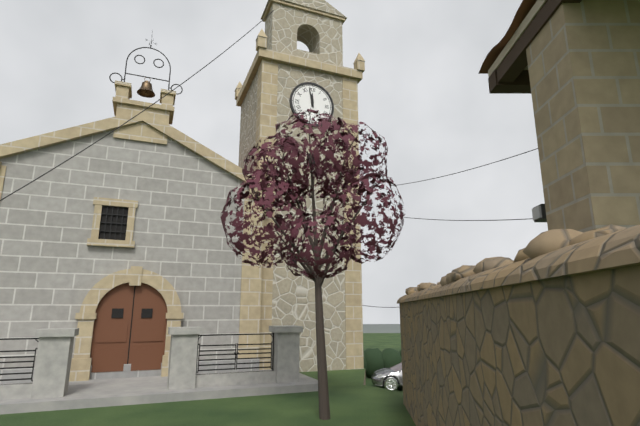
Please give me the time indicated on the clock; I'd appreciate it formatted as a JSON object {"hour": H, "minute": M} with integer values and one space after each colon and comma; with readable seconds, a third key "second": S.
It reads {"hour": 11, "minute": 58}
